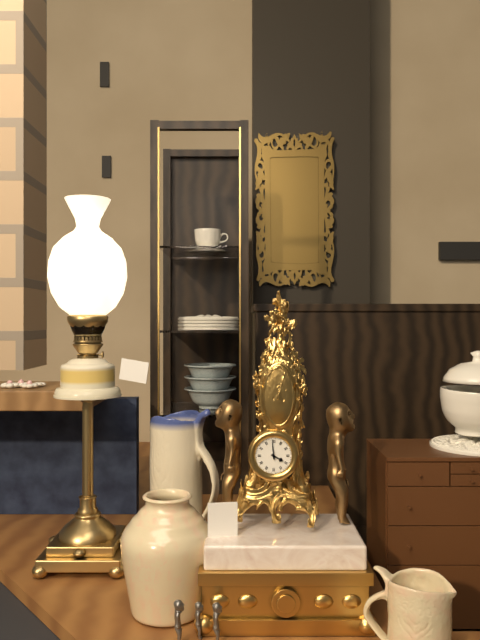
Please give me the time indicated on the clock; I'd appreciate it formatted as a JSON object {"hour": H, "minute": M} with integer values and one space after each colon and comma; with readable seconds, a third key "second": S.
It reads {"hour": 3, "minute": 59}
